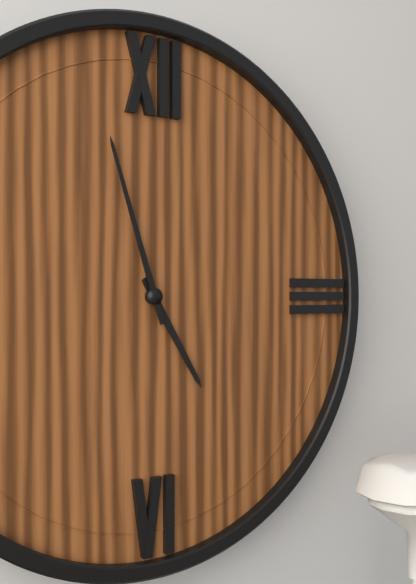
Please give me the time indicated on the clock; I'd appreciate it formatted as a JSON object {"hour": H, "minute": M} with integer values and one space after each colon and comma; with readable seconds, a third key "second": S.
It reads {"hour": 4, "minute": 57}
